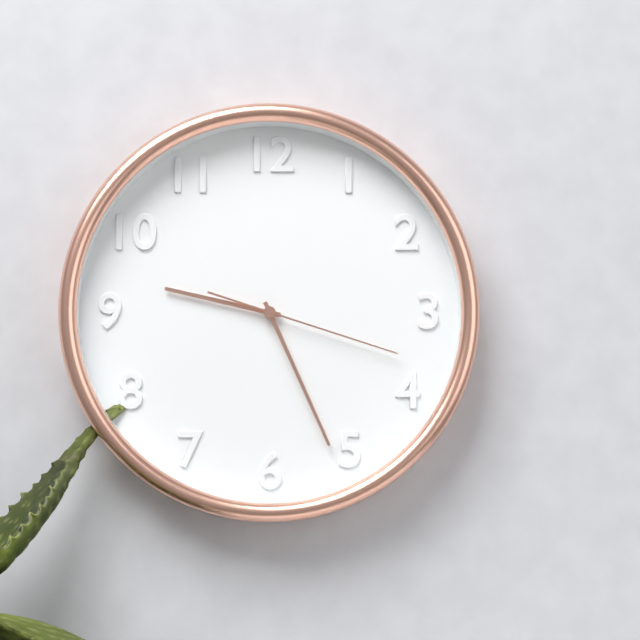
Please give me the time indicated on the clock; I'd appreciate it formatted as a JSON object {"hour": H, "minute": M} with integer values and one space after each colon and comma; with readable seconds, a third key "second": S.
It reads {"hour": 9, "minute": 26, "second": 18}
